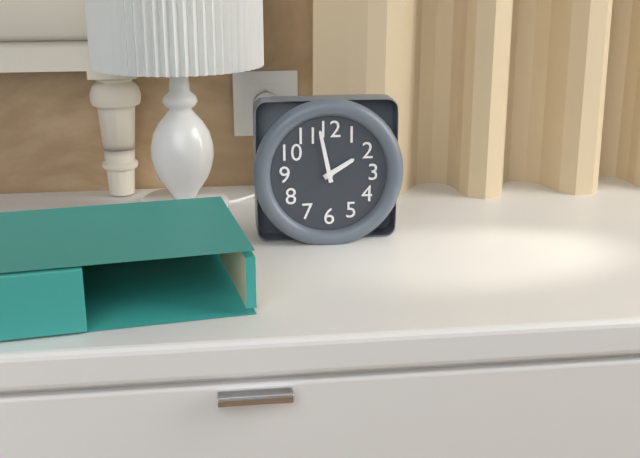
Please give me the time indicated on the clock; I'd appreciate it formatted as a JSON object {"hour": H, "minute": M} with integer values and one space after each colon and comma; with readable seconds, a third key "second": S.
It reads {"hour": 1, "minute": 58}
